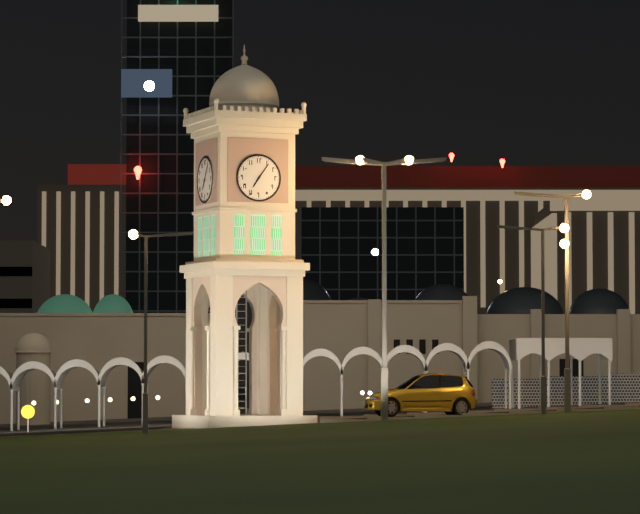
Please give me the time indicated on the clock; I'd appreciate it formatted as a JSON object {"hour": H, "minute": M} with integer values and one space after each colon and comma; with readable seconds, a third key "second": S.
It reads {"hour": 7, "minute": 6}
